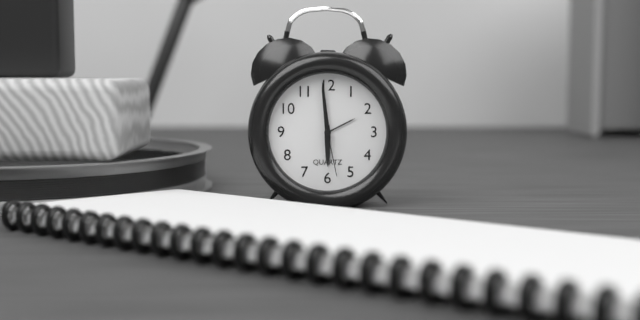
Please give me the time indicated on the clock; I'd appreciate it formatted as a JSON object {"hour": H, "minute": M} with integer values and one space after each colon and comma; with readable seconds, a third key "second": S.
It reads {"hour": 5, "minute": 59, "second": 28}
